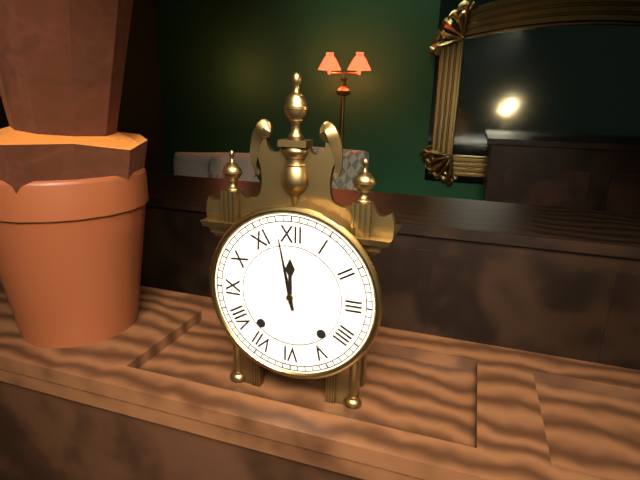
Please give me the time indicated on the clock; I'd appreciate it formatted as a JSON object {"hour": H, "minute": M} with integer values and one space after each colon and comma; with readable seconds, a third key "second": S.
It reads {"hour": 11, "minute": 58}
